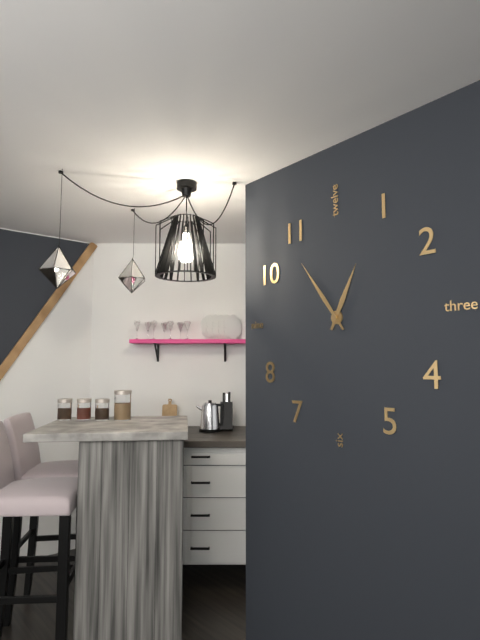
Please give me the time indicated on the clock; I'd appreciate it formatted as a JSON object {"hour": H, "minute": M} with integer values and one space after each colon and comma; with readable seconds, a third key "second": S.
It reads {"hour": 12, "minute": 54}
